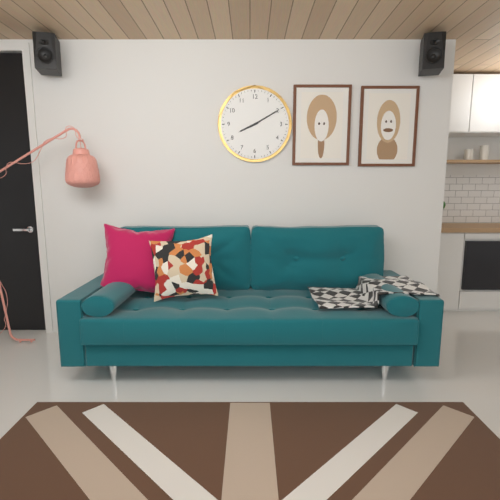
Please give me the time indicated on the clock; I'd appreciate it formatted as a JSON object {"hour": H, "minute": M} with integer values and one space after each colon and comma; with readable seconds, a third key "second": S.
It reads {"hour": 8, "minute": 10}
